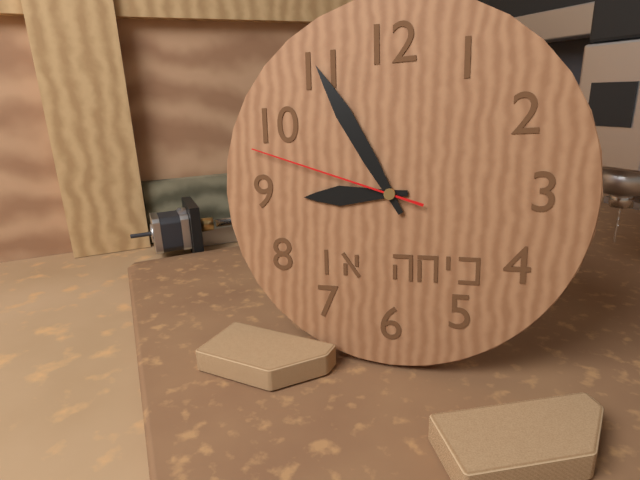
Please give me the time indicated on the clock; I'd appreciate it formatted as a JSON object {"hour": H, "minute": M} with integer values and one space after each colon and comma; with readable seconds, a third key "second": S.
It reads {"hour": 8, "minute": 55, "second": 48}
